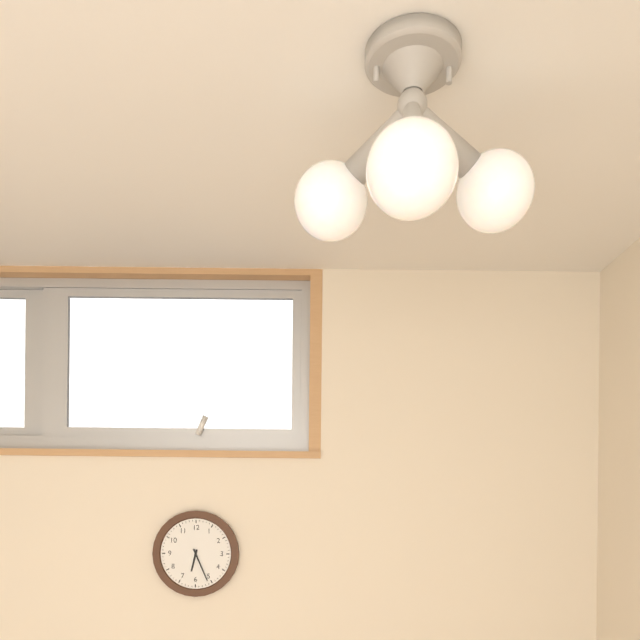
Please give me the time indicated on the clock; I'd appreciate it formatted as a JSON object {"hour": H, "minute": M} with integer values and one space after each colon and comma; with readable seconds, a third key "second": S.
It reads {"hour": 6, "minute": 26}
